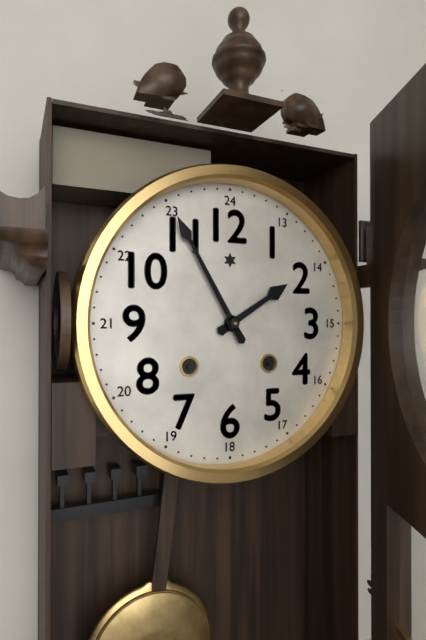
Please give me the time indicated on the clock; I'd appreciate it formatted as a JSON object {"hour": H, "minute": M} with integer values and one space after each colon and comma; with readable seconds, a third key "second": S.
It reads {"hour": 1, "minute": 55}
